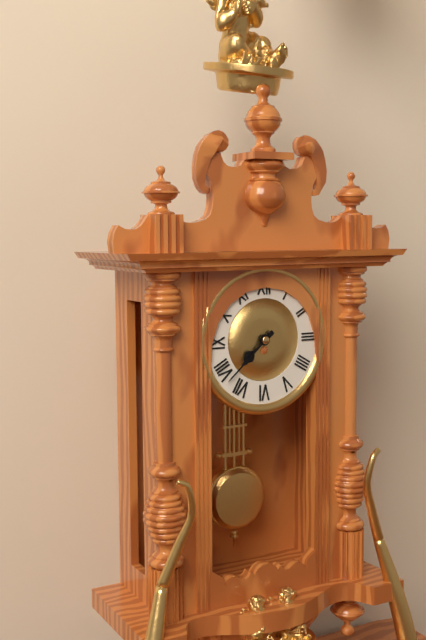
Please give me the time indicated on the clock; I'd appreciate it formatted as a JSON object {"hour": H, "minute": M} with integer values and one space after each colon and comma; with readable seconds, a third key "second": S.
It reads {"hour": 7, "minute": 38}
